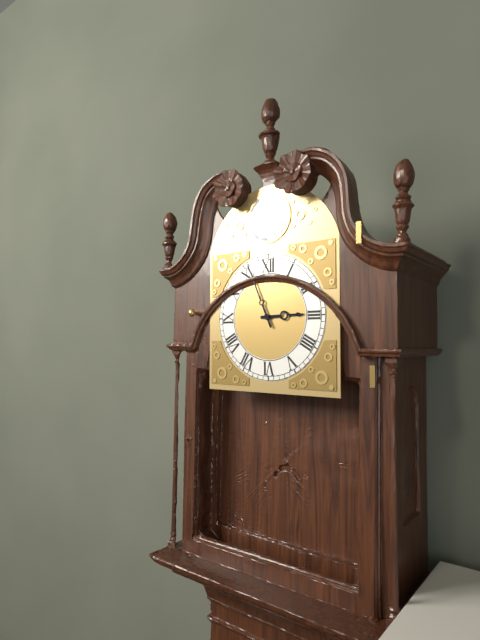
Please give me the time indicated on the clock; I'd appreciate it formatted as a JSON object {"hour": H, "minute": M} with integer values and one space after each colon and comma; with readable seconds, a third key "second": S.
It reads {"hour": 2, "minute": 56}
